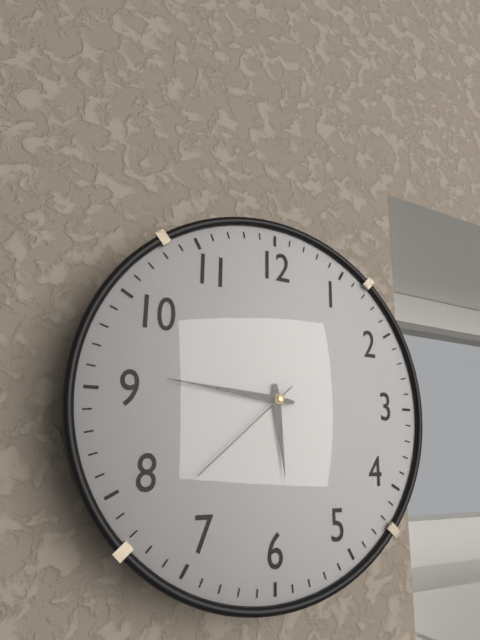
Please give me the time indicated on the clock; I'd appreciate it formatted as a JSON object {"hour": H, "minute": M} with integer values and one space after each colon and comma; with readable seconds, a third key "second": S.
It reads {"hour": 5, "minute": 46, "second": 38}
